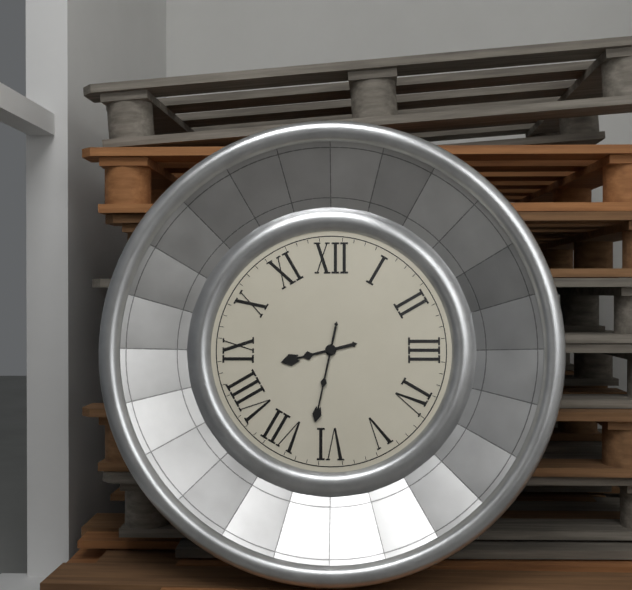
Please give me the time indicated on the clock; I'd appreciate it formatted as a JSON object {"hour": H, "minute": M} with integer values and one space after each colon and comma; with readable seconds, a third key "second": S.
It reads {"hour": 8, "minute": 32}
